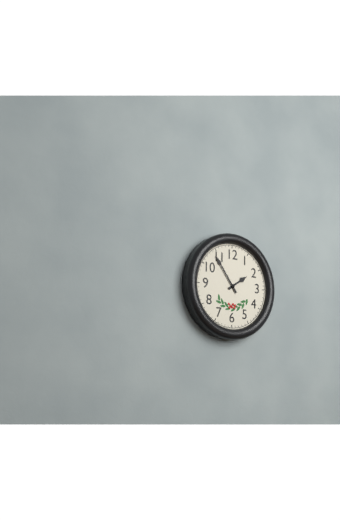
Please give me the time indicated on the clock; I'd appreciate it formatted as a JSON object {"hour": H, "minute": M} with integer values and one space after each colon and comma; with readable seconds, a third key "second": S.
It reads {"hour": 1, "minute": 54}
